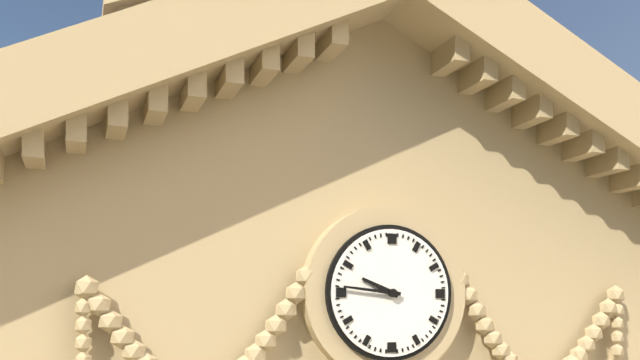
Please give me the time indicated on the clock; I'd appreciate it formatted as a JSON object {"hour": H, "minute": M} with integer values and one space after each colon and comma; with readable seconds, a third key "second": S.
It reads {"hour": 9, "minute": 46}
